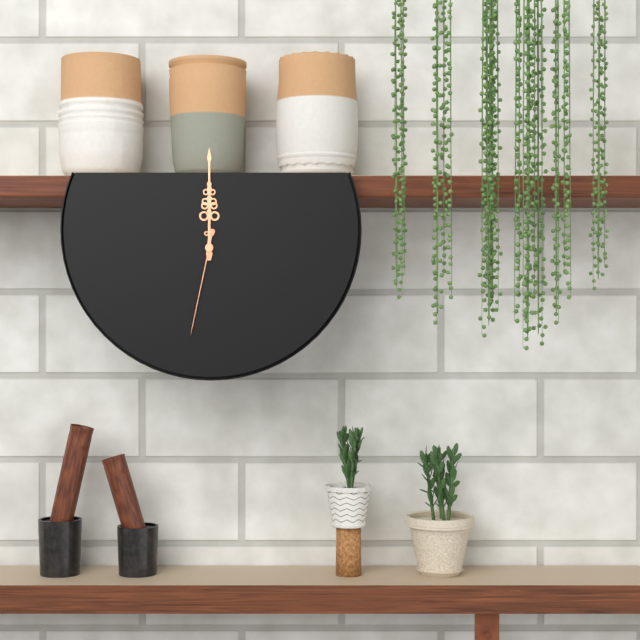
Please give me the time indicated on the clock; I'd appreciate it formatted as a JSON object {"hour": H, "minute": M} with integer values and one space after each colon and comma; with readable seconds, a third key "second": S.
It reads {"hour": 12, "minute": 0, "second": 32}
